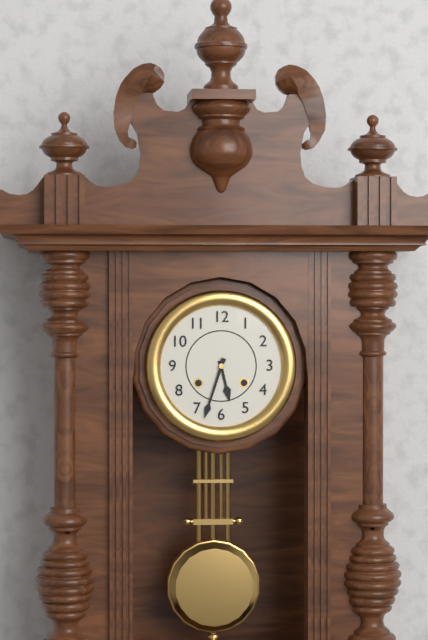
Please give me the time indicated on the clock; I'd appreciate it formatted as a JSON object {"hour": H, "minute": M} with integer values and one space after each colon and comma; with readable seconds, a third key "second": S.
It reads {"hour": 5, "minute": 33}
